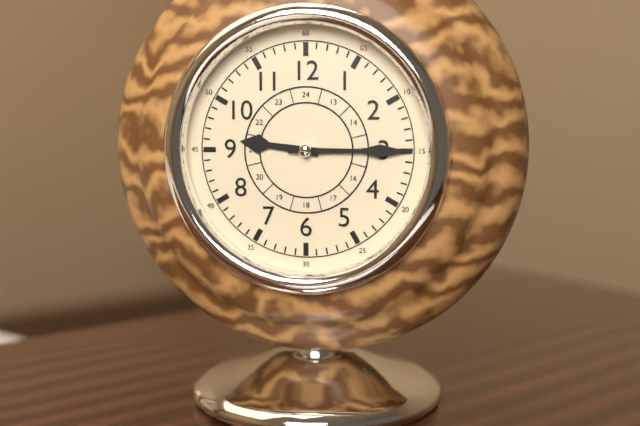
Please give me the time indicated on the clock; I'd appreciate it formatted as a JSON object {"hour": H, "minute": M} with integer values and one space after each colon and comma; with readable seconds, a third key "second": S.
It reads {"hour": 9, "minute": 15}
